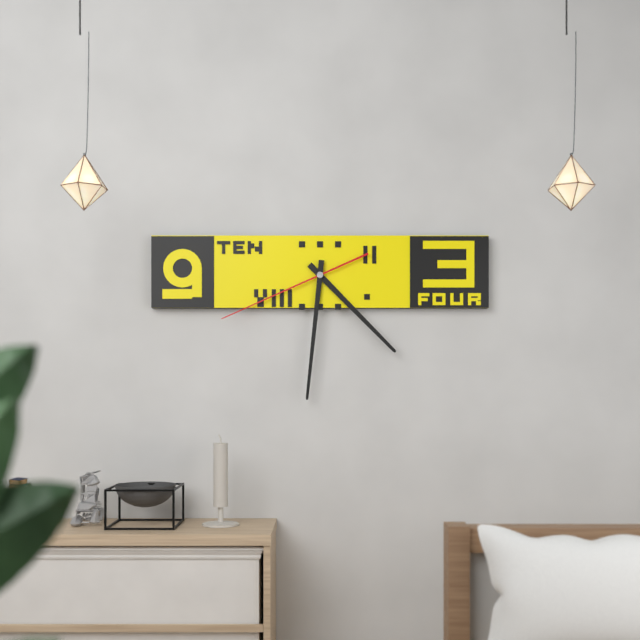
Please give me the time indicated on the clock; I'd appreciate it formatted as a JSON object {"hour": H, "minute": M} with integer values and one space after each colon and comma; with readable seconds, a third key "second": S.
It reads {"hour": 4, "minute": 31, "second": 41}
